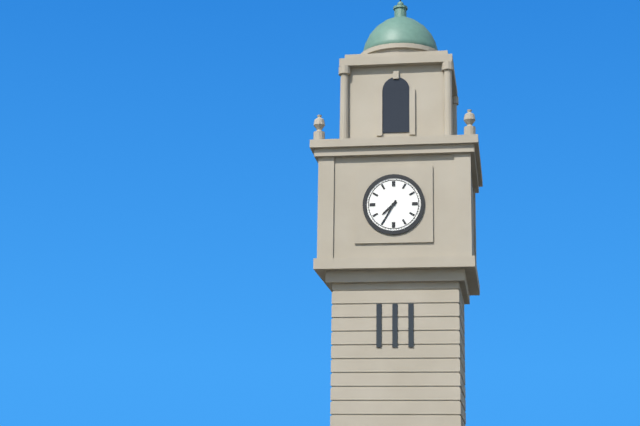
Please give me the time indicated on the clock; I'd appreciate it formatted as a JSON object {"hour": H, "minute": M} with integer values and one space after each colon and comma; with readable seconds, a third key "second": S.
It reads {"hour": 7, "minute": 35}
